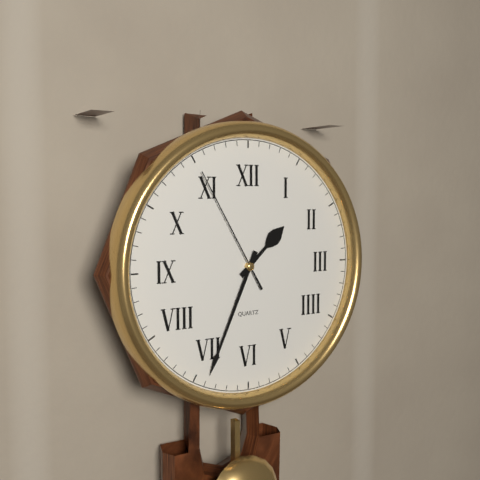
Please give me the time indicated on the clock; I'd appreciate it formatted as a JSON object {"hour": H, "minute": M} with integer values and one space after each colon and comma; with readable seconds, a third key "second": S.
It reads {"hour": 1, "minute": 34, "second": 55}
